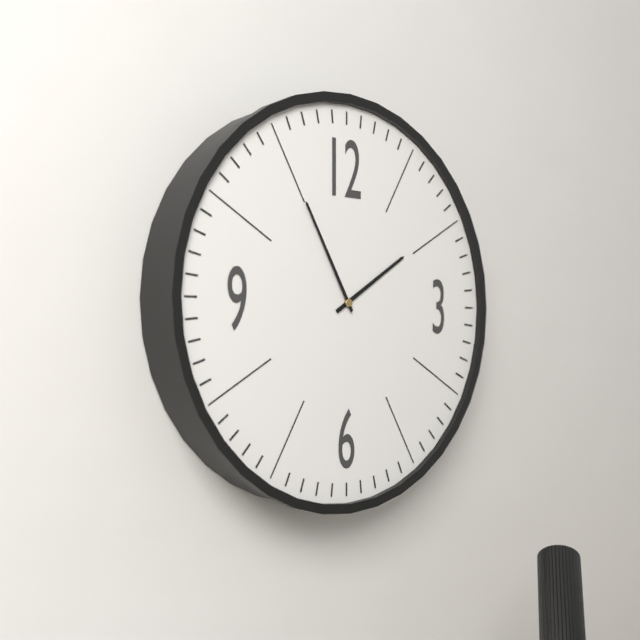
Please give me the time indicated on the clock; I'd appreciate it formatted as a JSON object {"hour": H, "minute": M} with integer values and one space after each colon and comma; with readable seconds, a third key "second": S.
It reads {"hour": 1, "minute": 55}
